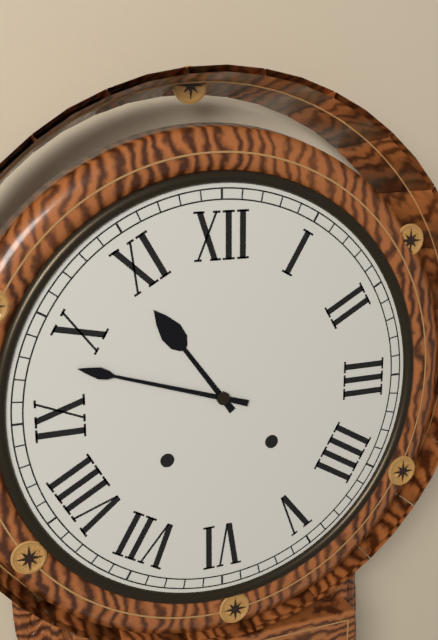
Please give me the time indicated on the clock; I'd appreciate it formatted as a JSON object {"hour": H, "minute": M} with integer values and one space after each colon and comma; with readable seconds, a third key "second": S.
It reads {"hour": 10, "minute": 48}
